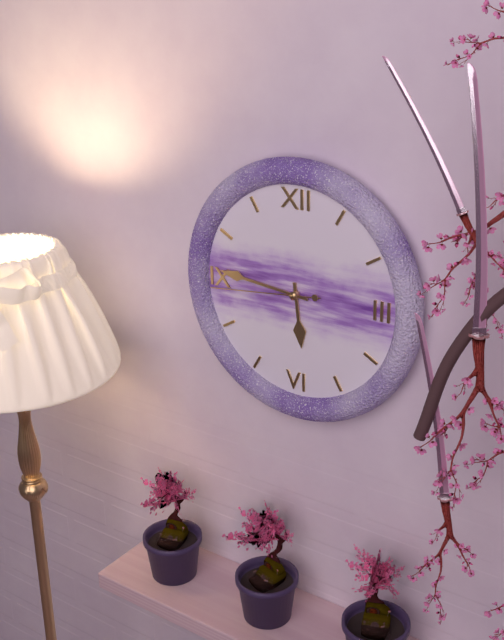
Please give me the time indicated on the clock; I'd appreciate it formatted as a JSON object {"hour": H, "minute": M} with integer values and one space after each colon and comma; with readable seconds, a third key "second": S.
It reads {"hour": 5, "minute": 46, "second": 44}
